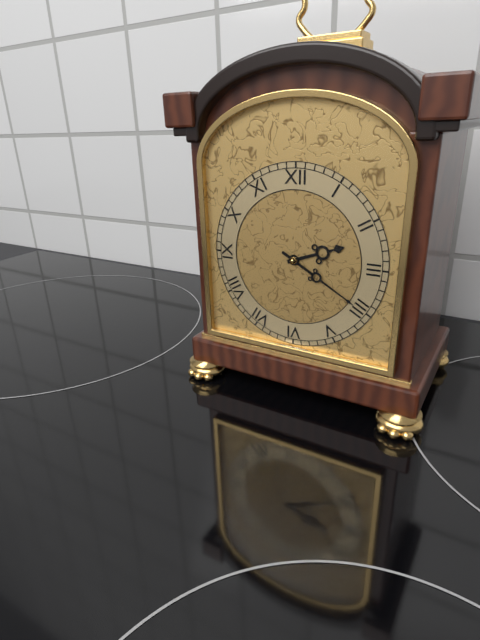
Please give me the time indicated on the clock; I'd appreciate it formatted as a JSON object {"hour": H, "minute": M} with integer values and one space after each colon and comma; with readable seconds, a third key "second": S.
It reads {"hour": 2, "minute": 20}
